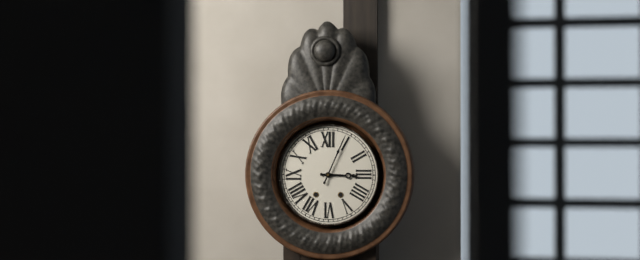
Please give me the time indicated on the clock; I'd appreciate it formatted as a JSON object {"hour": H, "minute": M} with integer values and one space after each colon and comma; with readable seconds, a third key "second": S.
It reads {"hour": 3, "minute": 4}
